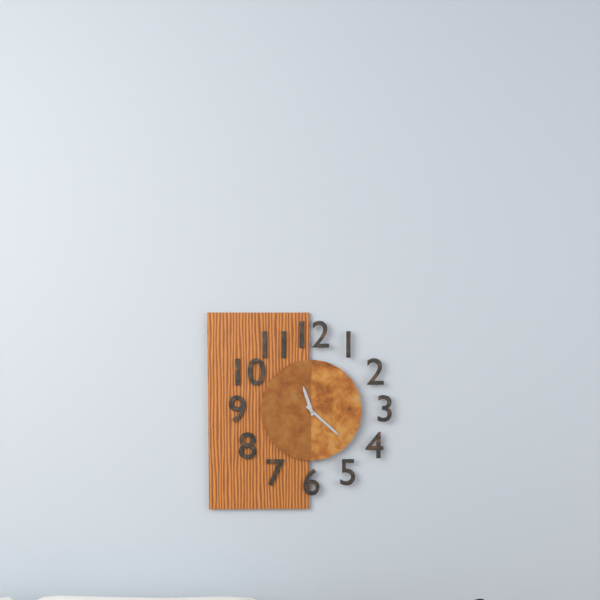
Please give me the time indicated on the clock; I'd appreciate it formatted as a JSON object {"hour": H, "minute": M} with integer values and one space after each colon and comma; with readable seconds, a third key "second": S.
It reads {"hour": 11, "minute": 22}
